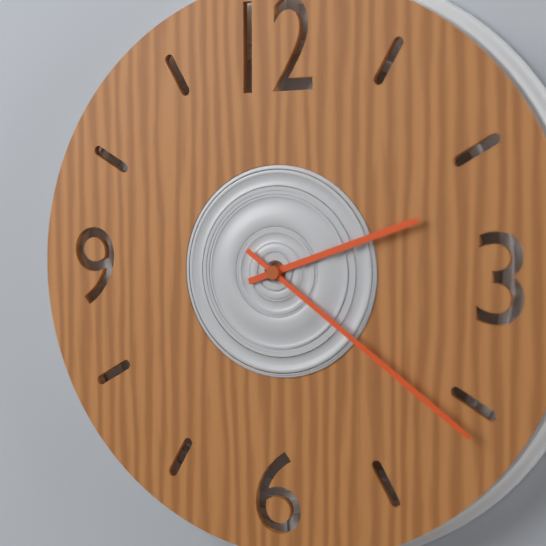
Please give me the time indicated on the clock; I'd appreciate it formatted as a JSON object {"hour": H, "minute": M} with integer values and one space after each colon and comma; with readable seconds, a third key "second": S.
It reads {"hour": 2, "minute": 21}
